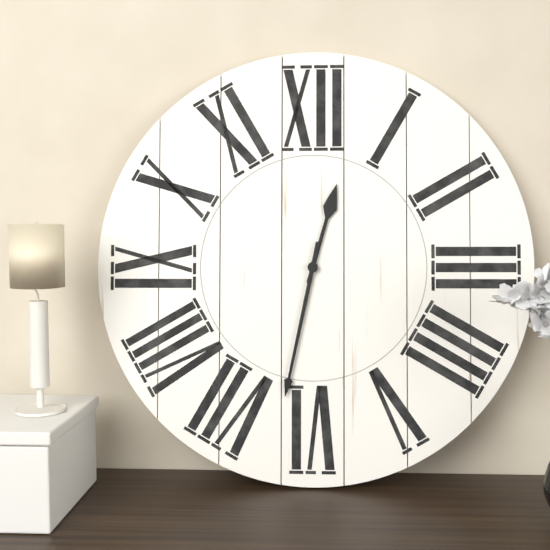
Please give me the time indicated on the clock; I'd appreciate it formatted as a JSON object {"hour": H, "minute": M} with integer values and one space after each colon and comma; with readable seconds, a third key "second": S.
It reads {"hour": 12, "minute": 32}
